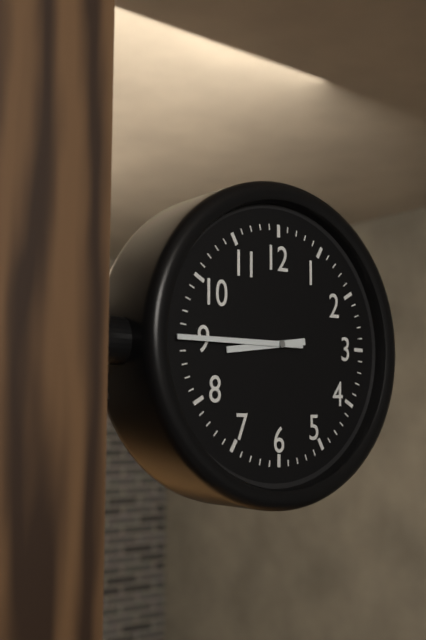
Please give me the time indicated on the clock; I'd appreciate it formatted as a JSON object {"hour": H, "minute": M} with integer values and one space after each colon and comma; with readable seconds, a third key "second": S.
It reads {"hour": 8, "minute": 45}
